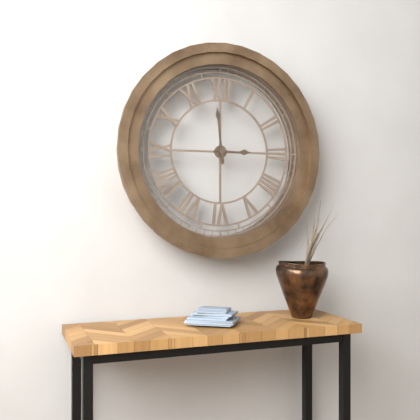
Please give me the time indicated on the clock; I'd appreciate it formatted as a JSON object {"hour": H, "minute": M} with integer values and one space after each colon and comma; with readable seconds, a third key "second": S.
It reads {"hour": 2, "minute": 59}
